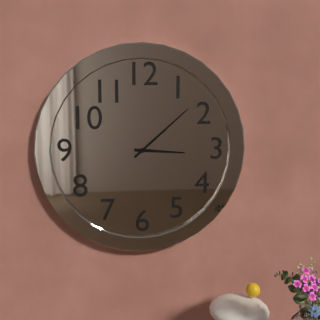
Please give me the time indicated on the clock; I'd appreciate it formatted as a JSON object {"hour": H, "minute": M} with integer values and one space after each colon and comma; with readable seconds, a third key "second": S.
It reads {"hour": 3, "minute": 8}
